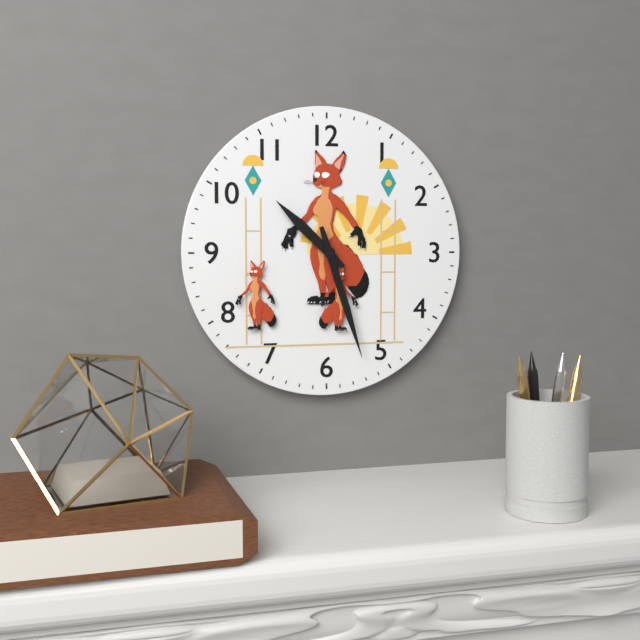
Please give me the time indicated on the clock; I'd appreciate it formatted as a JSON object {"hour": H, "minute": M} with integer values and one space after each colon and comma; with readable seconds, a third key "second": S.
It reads {"hour": 10, "minute": 27}
